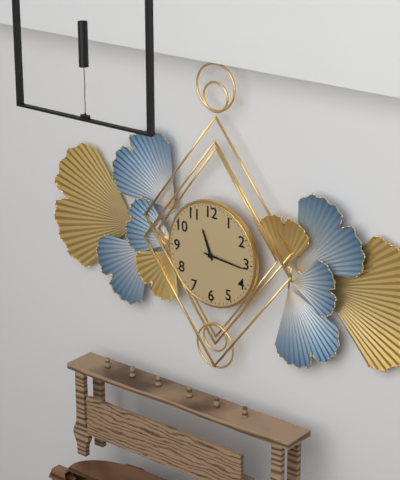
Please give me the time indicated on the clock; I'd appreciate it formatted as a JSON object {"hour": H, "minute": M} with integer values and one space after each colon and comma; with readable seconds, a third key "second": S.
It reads {"hour": 11, "minute": 16}
